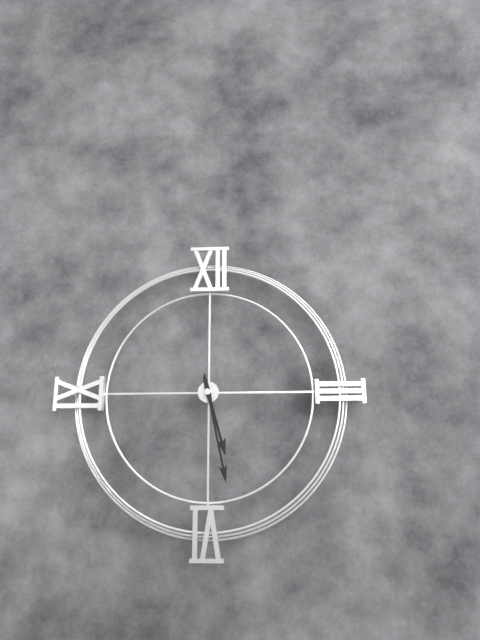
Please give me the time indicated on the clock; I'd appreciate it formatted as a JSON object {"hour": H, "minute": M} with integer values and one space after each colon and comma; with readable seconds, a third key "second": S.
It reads {"hour": 5, "minute": 28}
